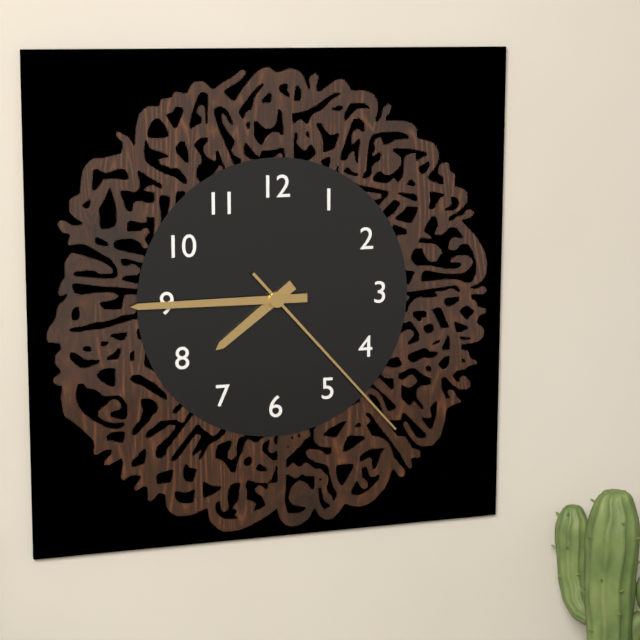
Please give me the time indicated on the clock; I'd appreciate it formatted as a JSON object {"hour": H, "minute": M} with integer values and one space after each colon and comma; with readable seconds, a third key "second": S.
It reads {"hour": 7, "minute": 45, "second": 23}
